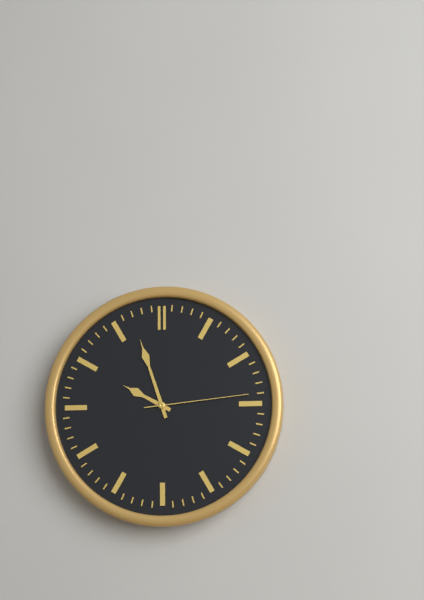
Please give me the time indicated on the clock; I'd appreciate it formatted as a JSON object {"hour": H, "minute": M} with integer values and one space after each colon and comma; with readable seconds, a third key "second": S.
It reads {"hour": 9, "minute": 57, "second": 14}
